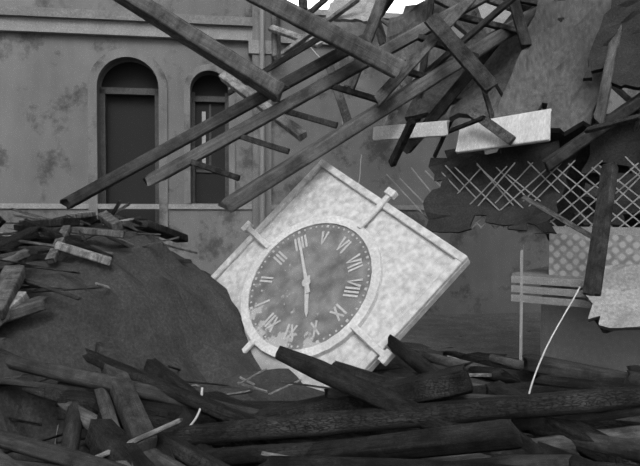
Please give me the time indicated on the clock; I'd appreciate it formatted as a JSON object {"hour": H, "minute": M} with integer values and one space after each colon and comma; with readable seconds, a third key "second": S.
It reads {"hour": 10, "minute": 20}
